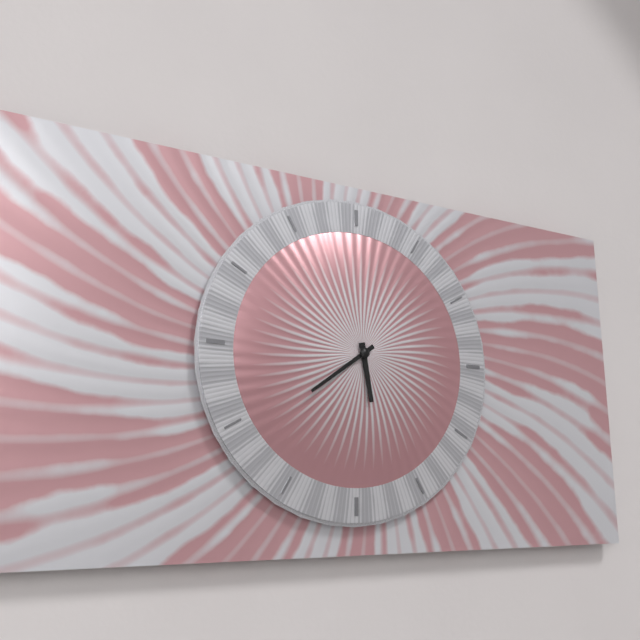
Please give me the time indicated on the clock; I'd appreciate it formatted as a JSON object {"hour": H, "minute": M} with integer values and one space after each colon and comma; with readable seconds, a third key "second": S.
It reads {"hour": 5, "minute": 39}
